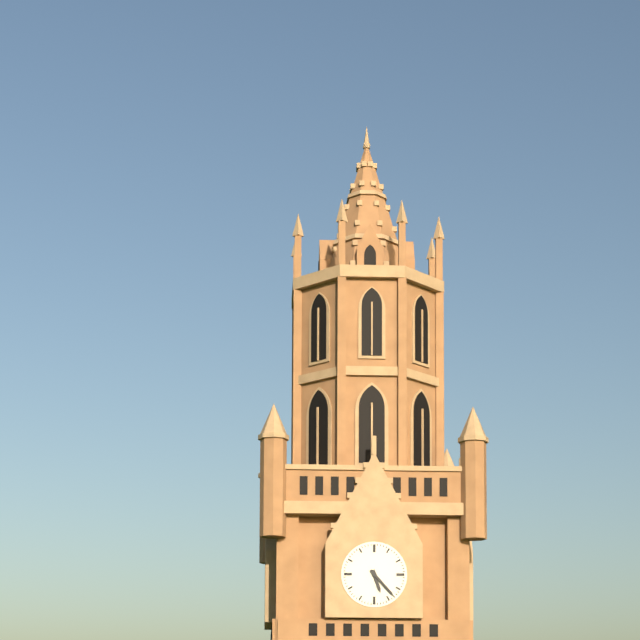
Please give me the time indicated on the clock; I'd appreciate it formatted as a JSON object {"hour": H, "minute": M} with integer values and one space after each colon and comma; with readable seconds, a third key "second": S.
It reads {"hour": 5, "minute": 23}
